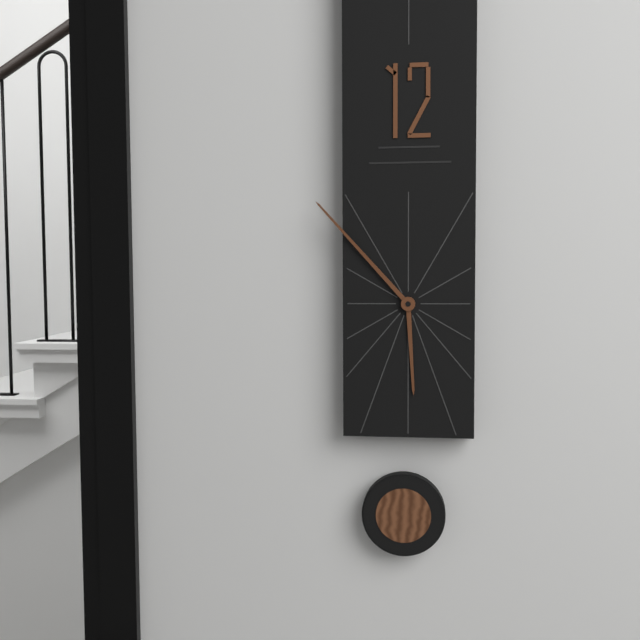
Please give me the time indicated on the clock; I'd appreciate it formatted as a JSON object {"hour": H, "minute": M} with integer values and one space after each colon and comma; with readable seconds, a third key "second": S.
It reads {"hour": 5, "minute": 53}
